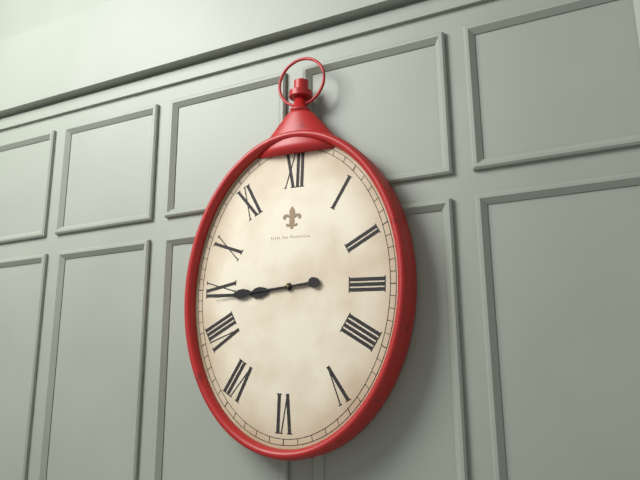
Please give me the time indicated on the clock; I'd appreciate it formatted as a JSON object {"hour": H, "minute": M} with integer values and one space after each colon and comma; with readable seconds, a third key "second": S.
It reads {"hour": 8, "minute": 44}
